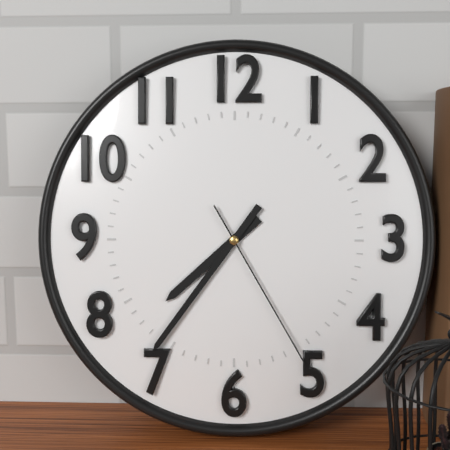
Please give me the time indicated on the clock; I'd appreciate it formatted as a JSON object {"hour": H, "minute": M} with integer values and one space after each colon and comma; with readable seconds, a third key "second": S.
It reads {"hour": 7, "minute": 36, "second": 25}
